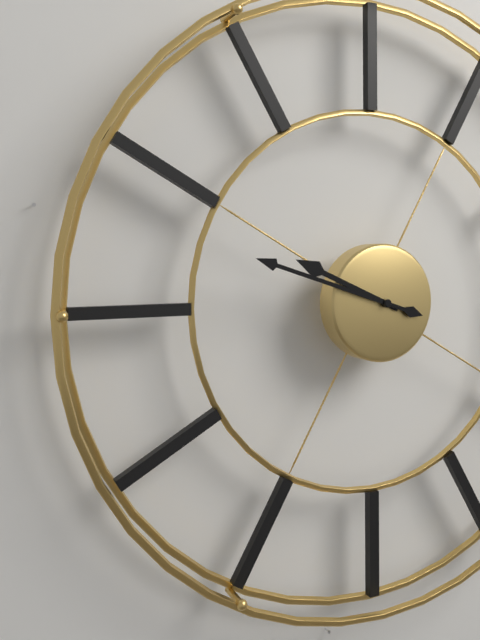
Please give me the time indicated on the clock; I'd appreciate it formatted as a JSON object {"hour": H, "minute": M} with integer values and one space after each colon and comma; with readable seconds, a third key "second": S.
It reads {"hour": 9, "minute": 48}
